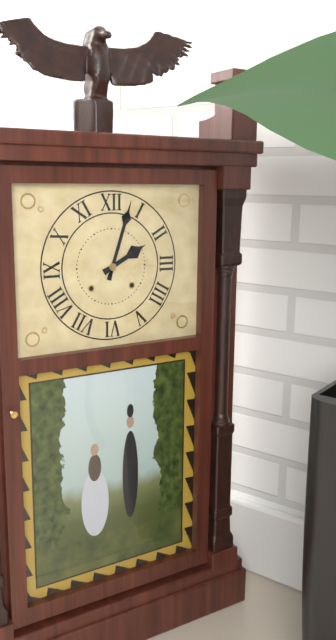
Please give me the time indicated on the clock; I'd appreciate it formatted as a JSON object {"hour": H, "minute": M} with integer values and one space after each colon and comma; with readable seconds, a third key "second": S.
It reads {"hour": 2, "minute": 3}
